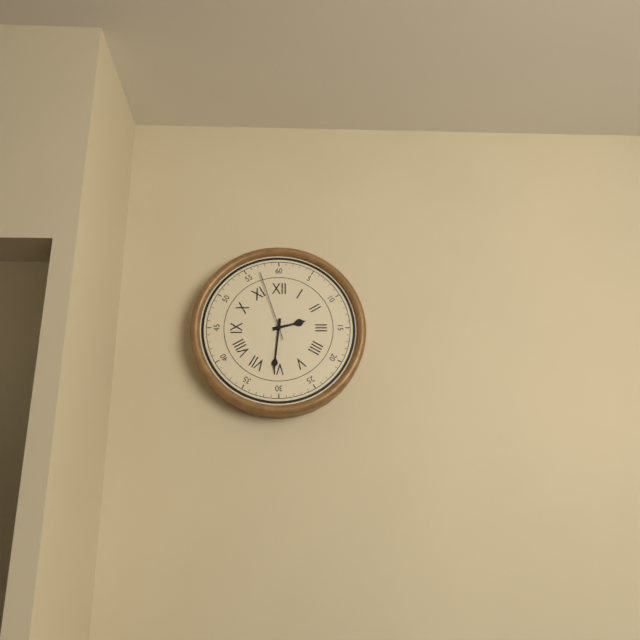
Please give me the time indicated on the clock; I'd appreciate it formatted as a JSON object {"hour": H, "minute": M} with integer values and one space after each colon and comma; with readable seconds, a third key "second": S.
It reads {"hour": 2, "minute": 31, "second": 57}
